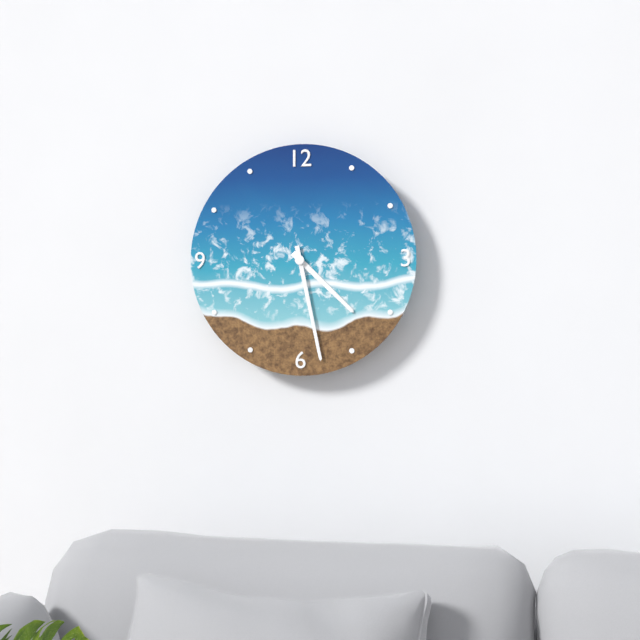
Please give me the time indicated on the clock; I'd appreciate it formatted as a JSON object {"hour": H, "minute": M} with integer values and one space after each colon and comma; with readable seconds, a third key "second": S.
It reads {"hour": 4, "minute": 28}
